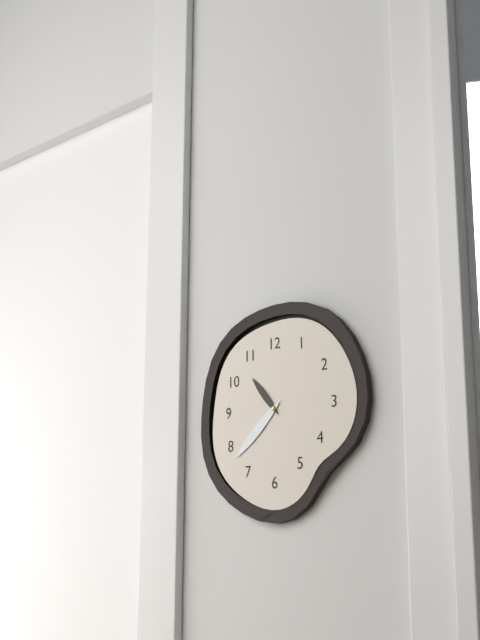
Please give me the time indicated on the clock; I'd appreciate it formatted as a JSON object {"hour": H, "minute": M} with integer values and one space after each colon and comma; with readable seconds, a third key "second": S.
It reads {"hour": 10, "minute": 38}
